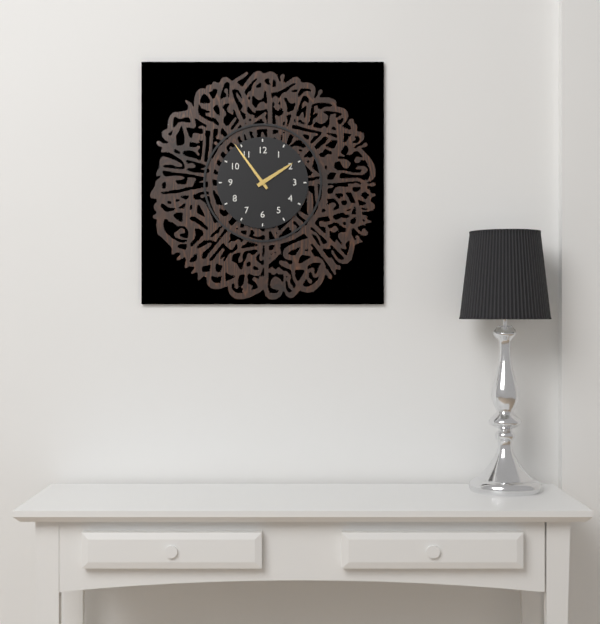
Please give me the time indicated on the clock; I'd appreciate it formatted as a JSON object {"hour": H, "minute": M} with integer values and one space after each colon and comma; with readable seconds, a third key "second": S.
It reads {"hour": 1, "minute": 54}
